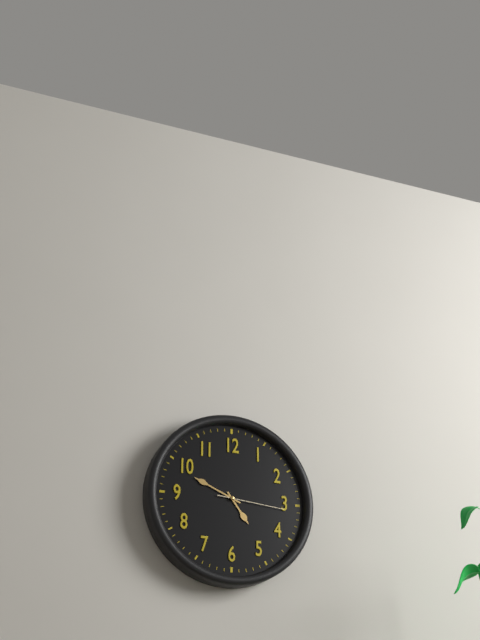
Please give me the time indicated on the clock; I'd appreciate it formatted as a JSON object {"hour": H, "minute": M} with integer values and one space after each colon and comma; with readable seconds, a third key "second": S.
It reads {"hour": 4, "minute": 49, "second": 16}
